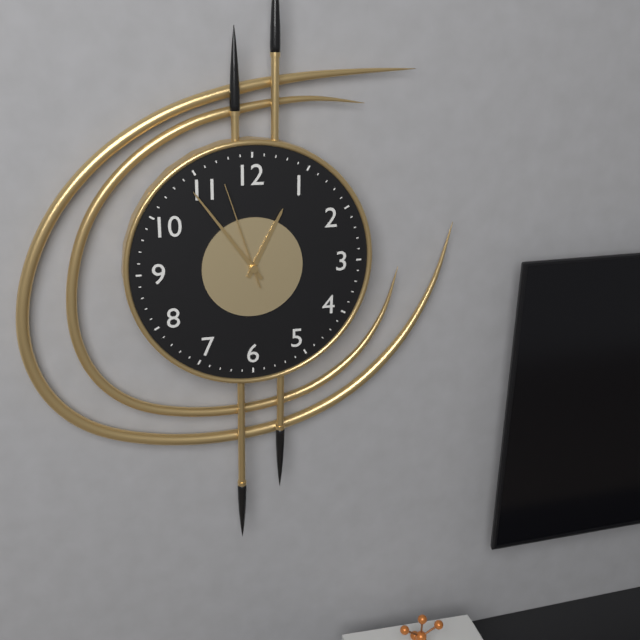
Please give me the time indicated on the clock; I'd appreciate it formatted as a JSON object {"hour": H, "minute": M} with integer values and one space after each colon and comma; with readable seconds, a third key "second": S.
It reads {"hour": 12, "minute": 54, "second": 57}
